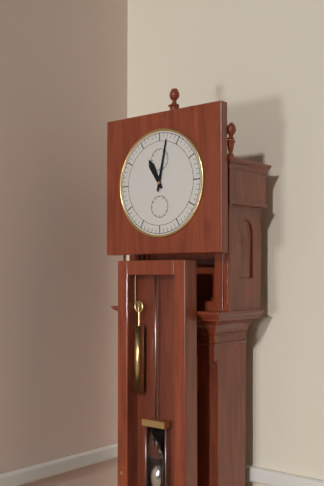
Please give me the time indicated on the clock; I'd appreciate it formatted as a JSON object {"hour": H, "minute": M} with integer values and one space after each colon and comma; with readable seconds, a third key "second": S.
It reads {"hour": 11, "minute": 2}
